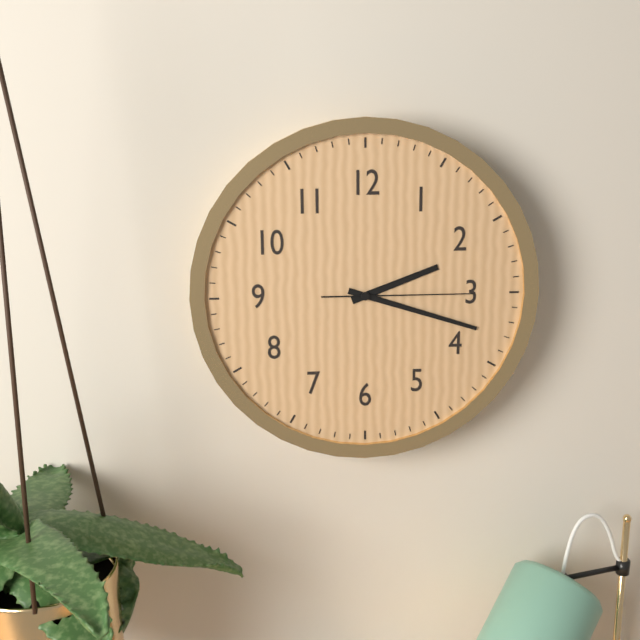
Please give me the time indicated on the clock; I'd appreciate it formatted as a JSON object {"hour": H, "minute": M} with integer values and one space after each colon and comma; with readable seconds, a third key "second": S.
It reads {"hour": 2, "minute": 18, "second": 15}
